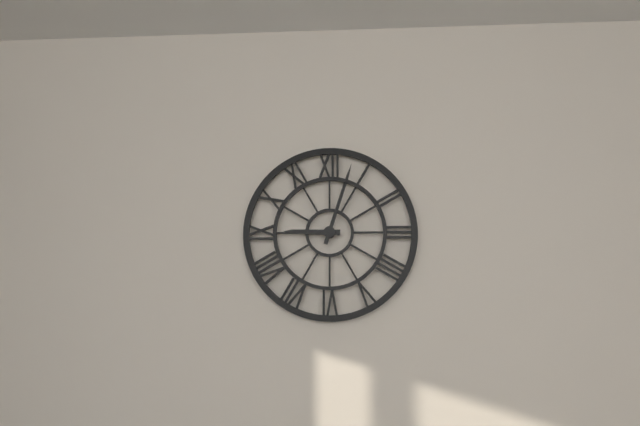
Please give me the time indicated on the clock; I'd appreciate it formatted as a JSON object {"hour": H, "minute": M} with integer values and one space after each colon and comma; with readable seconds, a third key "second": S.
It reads {"hour": 9, "minute": 3}
